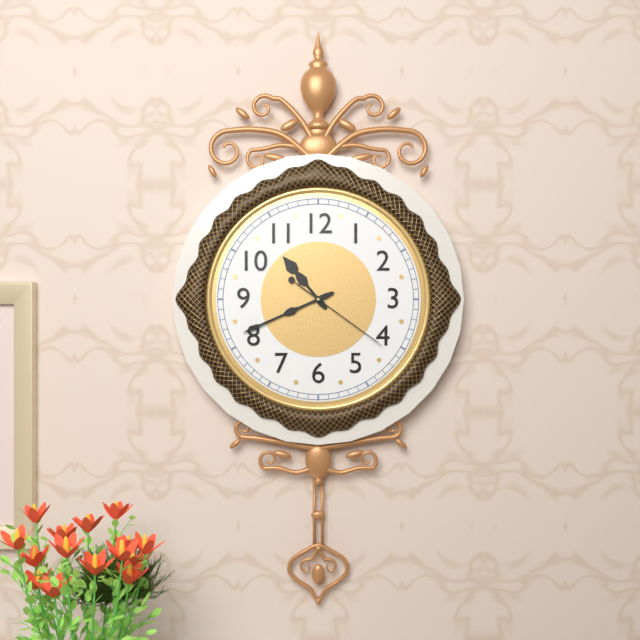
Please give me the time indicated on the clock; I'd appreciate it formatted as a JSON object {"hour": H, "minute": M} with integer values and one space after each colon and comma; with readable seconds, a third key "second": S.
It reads {"hour": 10, "minute": 41, "second": 21}
